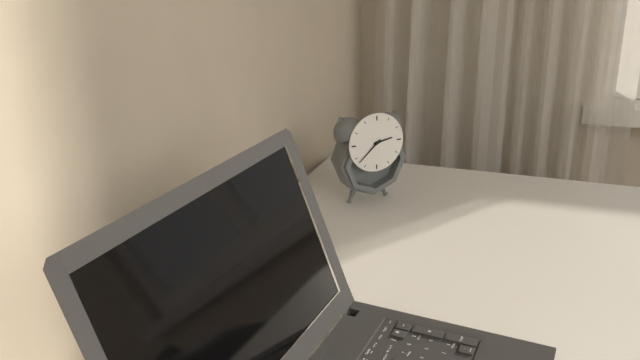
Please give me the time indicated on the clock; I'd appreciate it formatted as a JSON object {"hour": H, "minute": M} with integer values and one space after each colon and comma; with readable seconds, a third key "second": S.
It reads {"hour": 2, "minute": 38}
